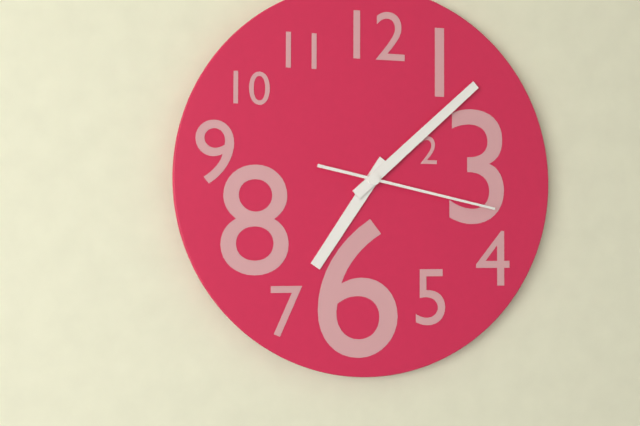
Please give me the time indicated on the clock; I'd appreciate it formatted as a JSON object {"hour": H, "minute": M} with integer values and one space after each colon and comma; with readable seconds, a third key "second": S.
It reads {"hour": 7, "minute": 8, "second": 17}
